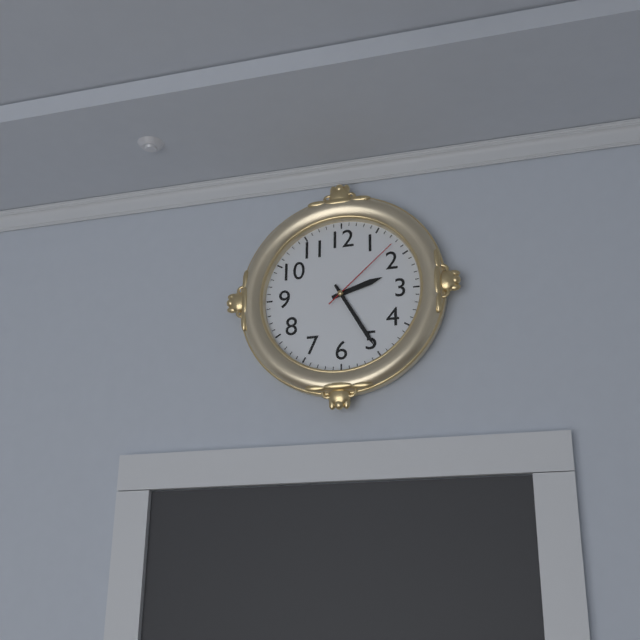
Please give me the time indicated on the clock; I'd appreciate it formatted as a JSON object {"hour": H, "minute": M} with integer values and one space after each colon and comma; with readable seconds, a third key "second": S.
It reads {"hour": 2, "minute": 25, "second": 8}
